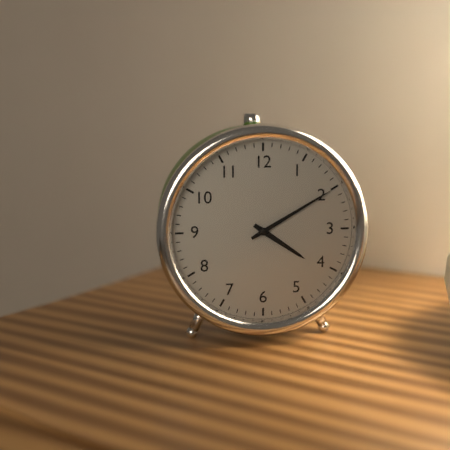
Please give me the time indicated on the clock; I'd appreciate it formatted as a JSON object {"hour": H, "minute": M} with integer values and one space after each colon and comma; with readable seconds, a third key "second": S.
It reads {"hour": 4, "minute": 10}
